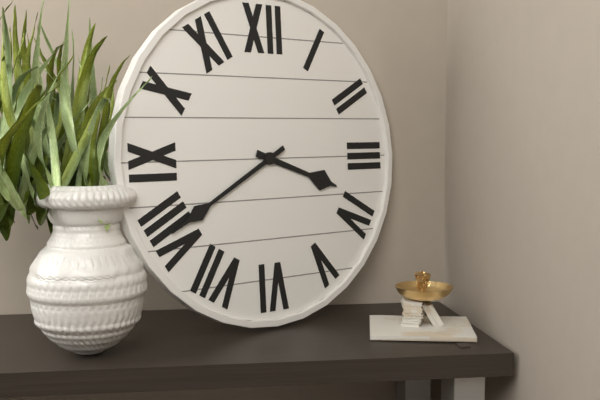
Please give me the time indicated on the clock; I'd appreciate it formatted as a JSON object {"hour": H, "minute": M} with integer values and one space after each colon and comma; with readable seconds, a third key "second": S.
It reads {"hour": 3, "minute": 40}
